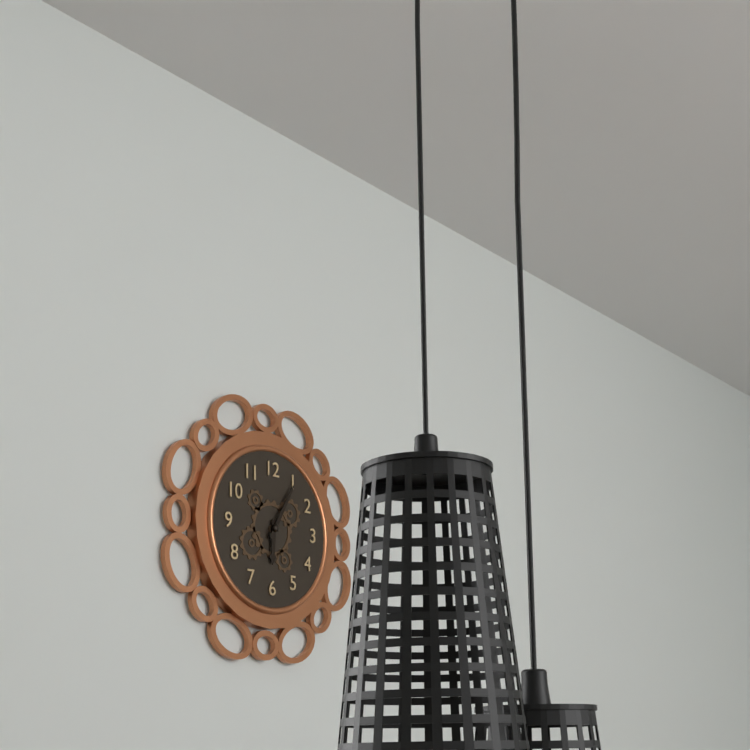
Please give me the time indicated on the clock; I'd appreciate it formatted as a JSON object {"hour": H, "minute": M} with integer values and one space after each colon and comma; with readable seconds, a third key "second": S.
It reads {"hour": 6, "minute": 5}
